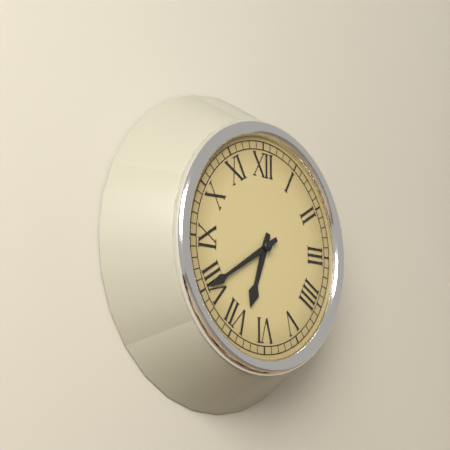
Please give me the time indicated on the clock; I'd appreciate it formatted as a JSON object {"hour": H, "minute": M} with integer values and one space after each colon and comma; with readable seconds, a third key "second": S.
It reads {"hour": 6, "minute": 40}
